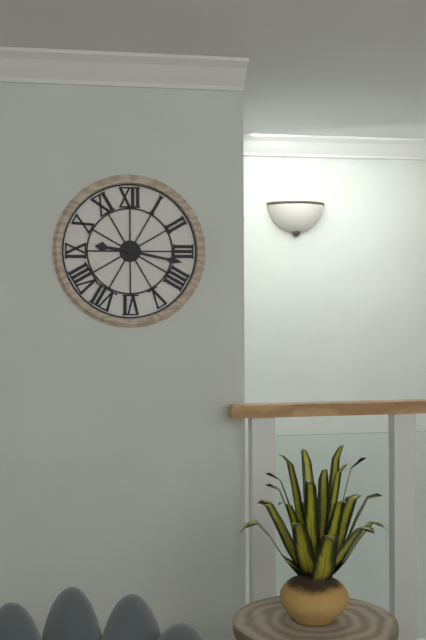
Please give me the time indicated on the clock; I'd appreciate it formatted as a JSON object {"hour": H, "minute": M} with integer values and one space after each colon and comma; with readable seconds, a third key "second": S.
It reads {"hour": 9, "minute": 17}
